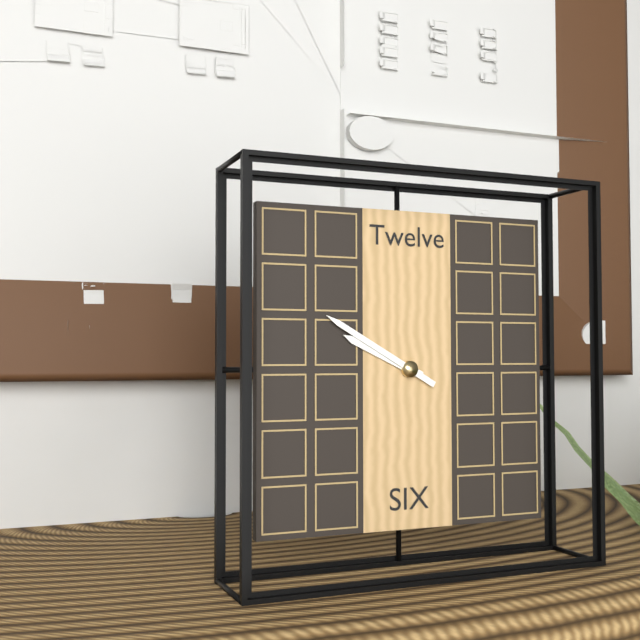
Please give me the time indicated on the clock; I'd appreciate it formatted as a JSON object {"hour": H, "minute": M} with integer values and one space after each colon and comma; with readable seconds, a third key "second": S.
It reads {"hour": 9, "minute": 50}
